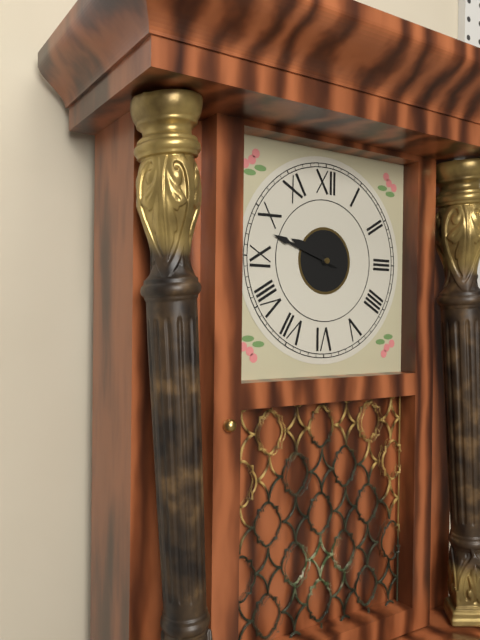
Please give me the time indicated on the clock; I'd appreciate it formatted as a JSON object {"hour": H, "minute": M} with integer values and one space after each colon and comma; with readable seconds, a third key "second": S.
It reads {"hour": 9, "minute": 48}
